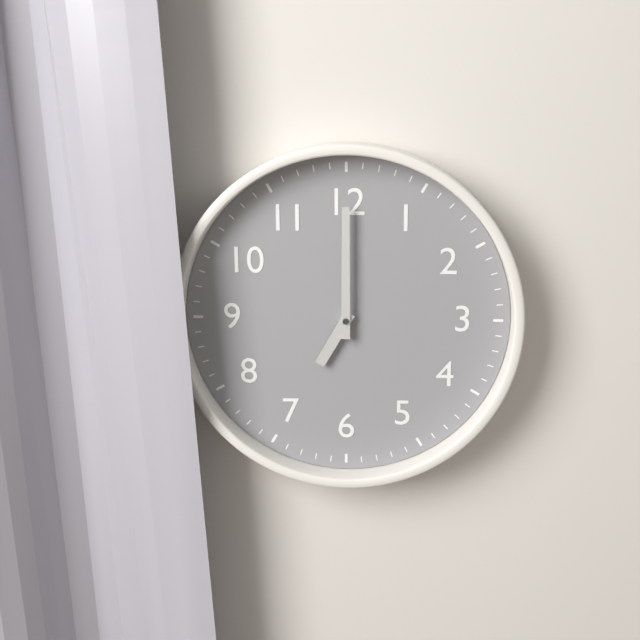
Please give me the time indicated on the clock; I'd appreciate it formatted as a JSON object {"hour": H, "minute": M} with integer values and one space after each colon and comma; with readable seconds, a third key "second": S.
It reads {"hour": 7, "minute": 0}
